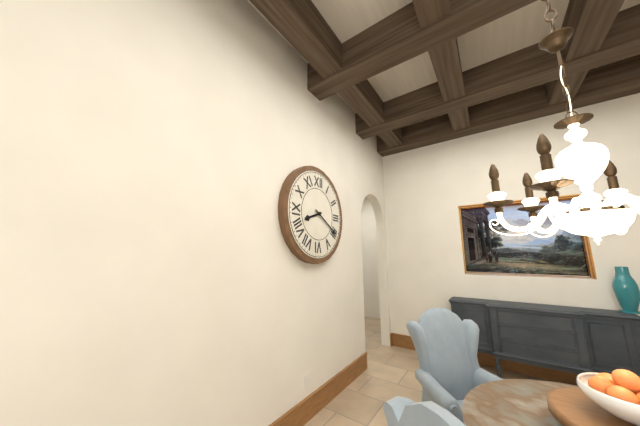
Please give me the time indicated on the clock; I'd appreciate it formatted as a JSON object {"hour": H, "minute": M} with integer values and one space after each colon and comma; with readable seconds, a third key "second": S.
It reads {"hour": 8, "minute": 20}
